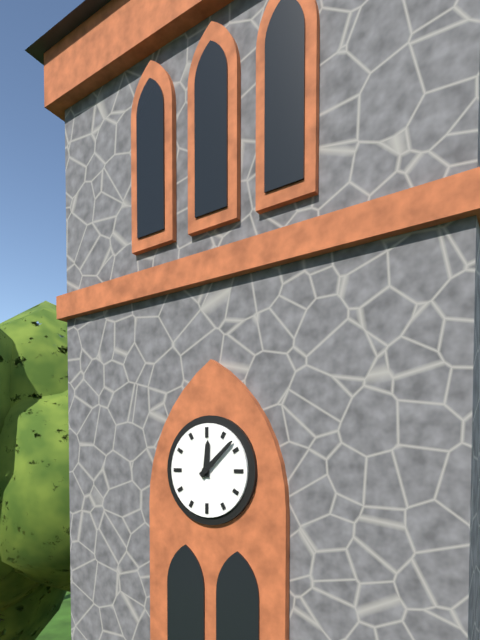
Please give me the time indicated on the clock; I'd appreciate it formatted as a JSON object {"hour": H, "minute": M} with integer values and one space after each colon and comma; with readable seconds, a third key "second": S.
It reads {"hour": 12, "minute": 8}
